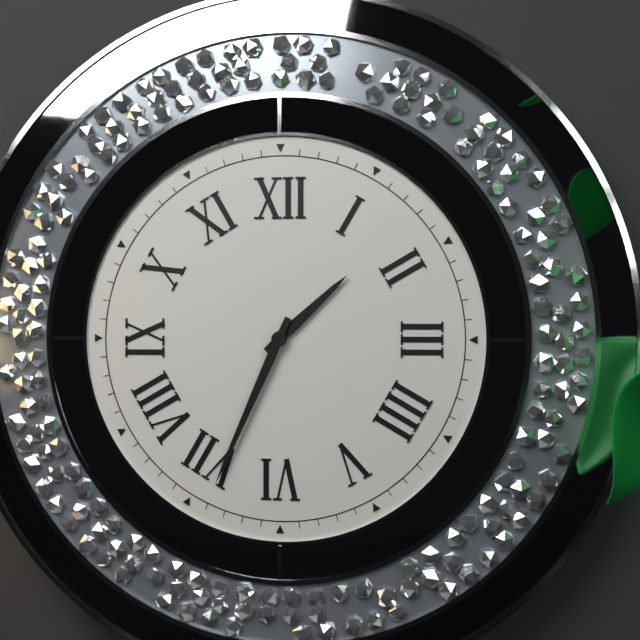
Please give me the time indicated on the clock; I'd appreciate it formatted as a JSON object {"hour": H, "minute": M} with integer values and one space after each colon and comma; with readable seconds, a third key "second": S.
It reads {"hour": 1, "minute": 34}
